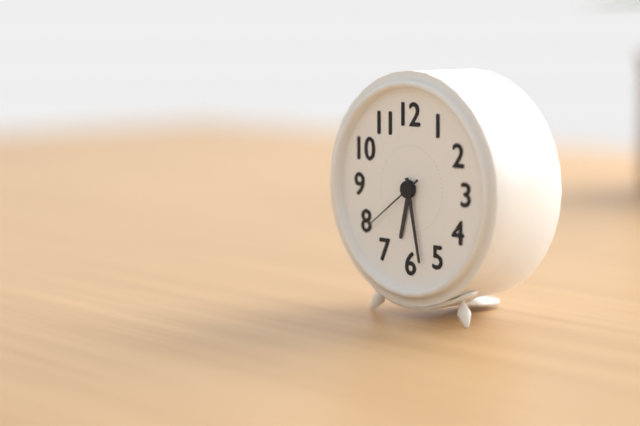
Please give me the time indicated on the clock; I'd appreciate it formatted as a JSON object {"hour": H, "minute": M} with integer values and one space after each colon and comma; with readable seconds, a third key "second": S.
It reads {"hour": 6, "minute": 28, "second": 39}
